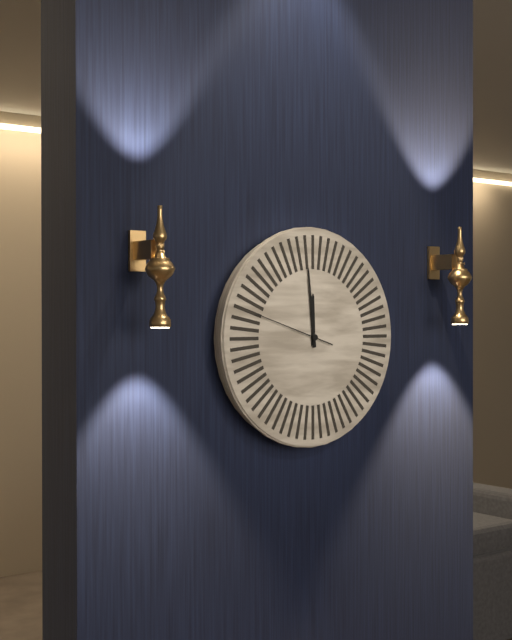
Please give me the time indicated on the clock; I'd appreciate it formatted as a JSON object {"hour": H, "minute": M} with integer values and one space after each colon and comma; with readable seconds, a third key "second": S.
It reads {"hour": 11, "minute": 59, "second": 48}
